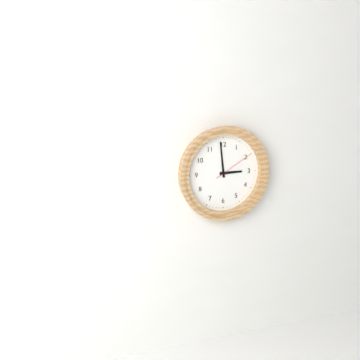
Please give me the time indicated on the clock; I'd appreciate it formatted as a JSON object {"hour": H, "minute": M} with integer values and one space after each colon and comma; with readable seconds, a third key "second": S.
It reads {"hour": 2, "minute": 59}
